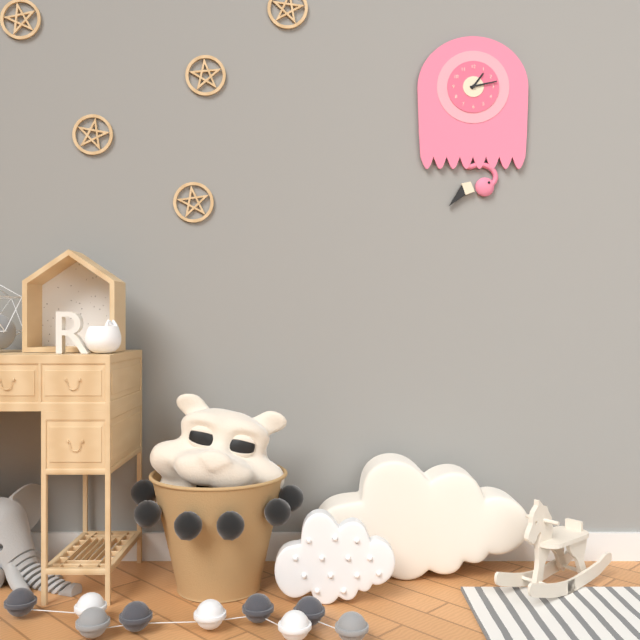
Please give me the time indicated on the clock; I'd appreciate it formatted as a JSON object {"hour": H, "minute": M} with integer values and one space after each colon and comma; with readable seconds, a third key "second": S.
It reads {"hour": 1, "minute": 13}
